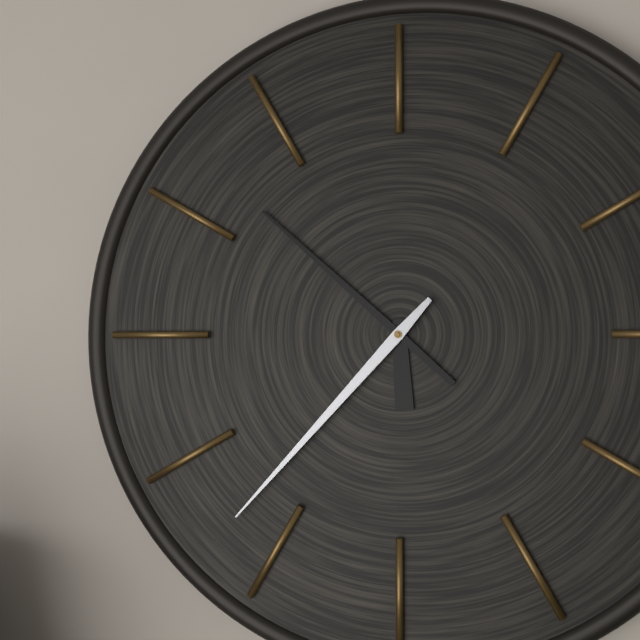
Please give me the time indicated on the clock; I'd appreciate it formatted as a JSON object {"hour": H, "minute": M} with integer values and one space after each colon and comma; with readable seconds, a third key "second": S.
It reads {"hour": 5, "minute": 52, "second": 37}
